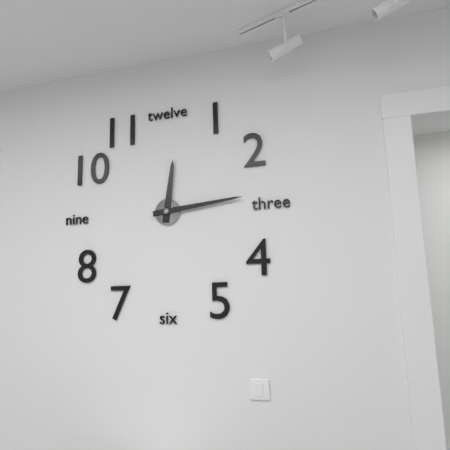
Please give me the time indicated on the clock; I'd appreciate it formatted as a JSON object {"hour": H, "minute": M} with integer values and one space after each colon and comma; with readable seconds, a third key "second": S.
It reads {"hour": 12, "minute": 14}
